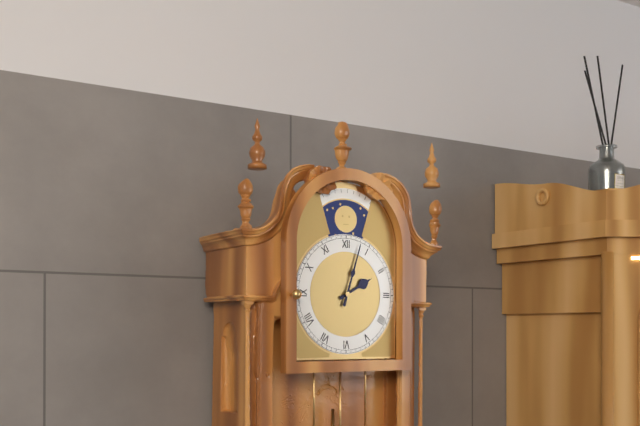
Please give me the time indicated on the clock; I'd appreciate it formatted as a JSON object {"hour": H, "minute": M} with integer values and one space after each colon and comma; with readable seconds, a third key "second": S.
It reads {"hour": 2, "minute": 3}
